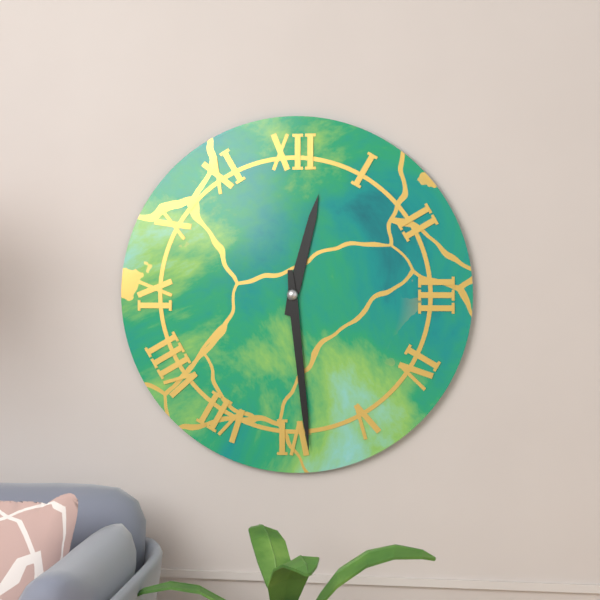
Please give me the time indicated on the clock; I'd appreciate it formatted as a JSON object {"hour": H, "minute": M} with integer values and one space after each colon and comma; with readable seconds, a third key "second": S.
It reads {"hour": 12, "minute": 29}
